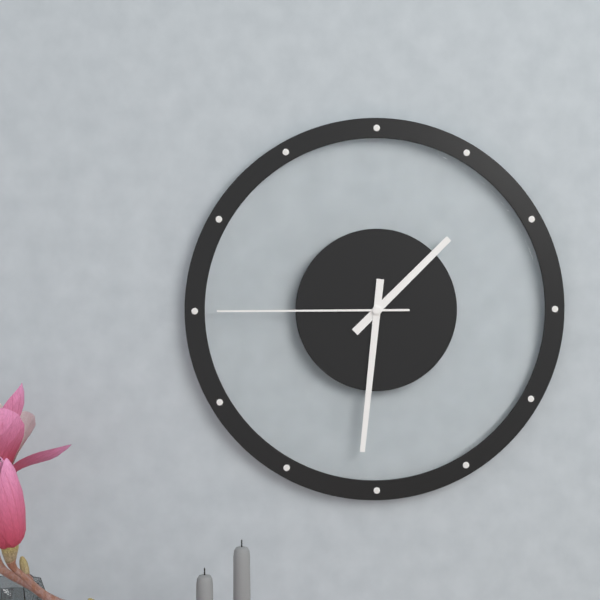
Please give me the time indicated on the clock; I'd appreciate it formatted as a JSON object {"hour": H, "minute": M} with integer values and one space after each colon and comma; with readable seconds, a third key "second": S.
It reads {"hour": 1, "minute": 31, "second": 45}
